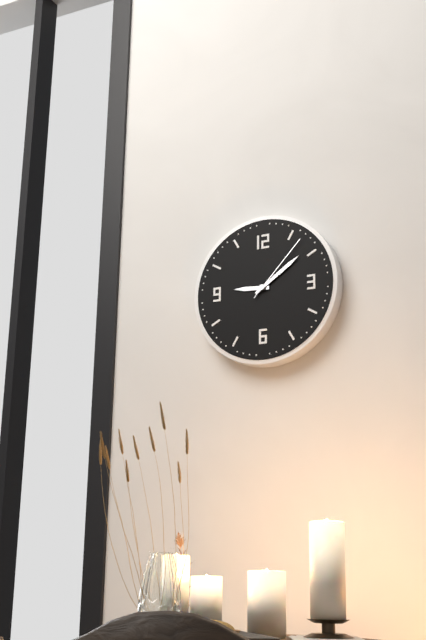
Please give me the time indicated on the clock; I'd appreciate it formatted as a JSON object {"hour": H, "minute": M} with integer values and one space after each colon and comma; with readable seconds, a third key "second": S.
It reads {"hour": 9, "minute": 9, "second": 7}
